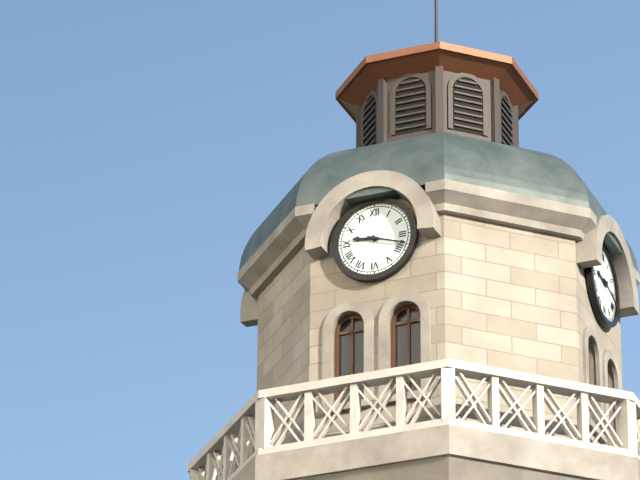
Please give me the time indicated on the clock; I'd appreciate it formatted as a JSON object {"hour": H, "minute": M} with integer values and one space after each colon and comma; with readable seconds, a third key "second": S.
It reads {"hour": 9, "minute": 18}
